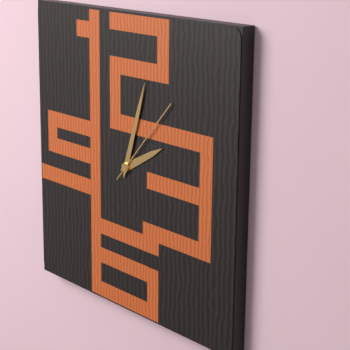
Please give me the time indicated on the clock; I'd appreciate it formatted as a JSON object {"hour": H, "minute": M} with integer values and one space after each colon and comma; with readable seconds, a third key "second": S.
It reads {"hour": 2, "minute": 3, "second": 7}
